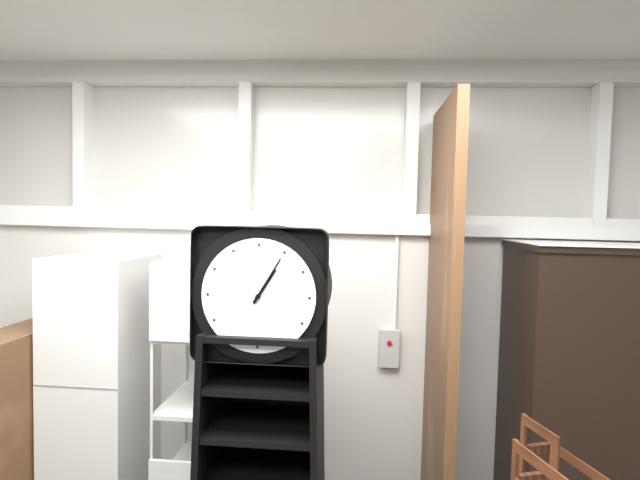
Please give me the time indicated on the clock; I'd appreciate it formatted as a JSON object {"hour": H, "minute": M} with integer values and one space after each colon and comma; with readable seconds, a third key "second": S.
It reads {"hour": 1, "minute": 5}
